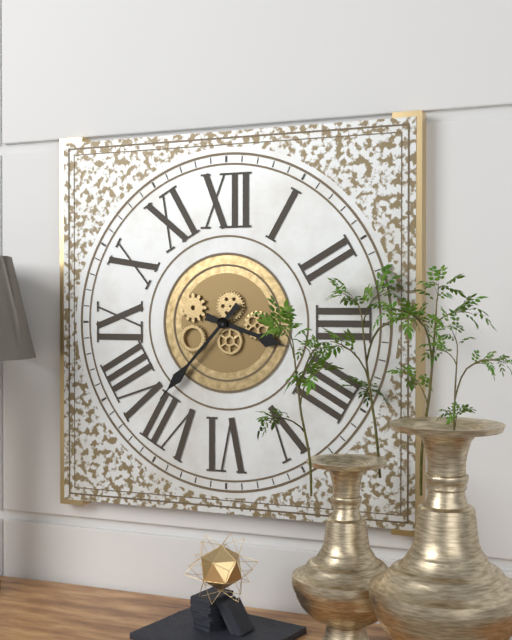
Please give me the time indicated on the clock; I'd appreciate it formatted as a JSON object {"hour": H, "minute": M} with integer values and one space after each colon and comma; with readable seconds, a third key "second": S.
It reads {"hour": 3, "minute": 37}
